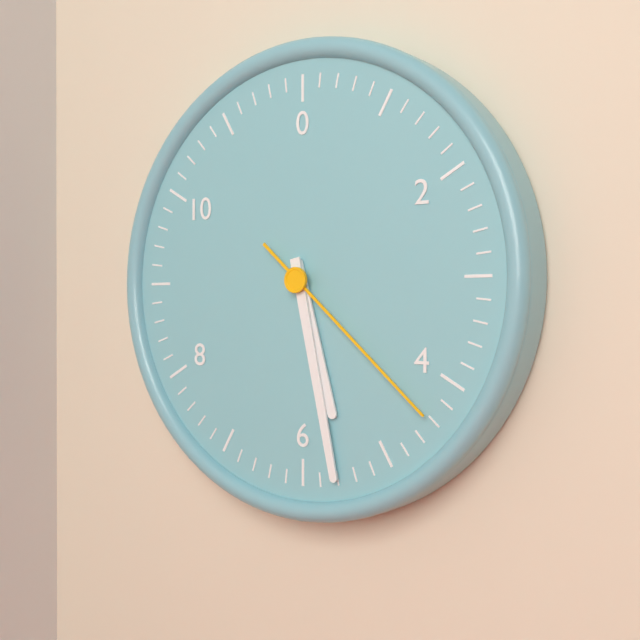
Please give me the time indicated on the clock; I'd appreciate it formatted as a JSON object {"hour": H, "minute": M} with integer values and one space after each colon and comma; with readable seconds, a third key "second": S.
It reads {"hour": 5, "minute": 28, "second": 22}
